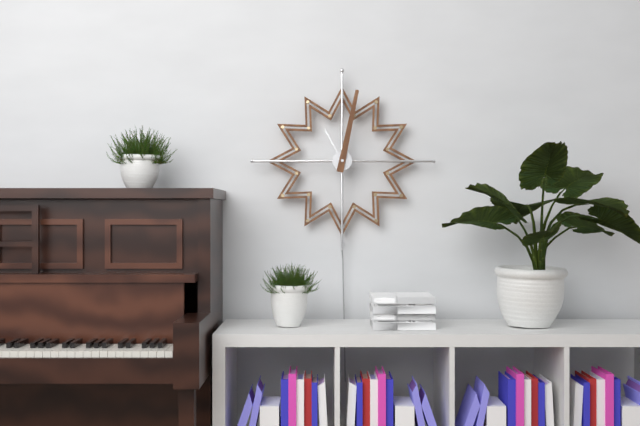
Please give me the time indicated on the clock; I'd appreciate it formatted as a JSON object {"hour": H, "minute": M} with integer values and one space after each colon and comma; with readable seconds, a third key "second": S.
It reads {"hour": 11, "minute": 2}
